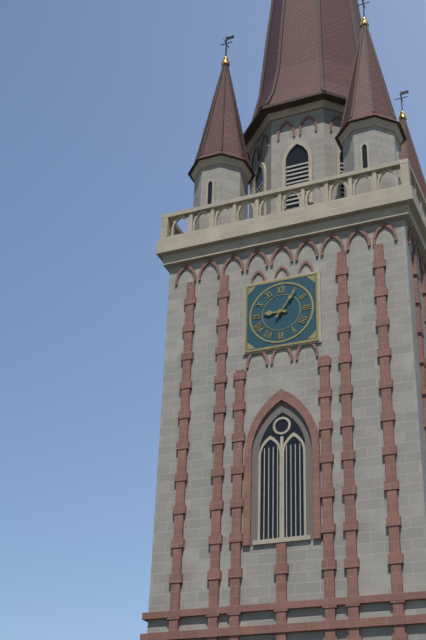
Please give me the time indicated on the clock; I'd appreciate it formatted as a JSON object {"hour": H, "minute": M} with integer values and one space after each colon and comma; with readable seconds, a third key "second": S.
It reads {"hour": 9, "minute": 6}
